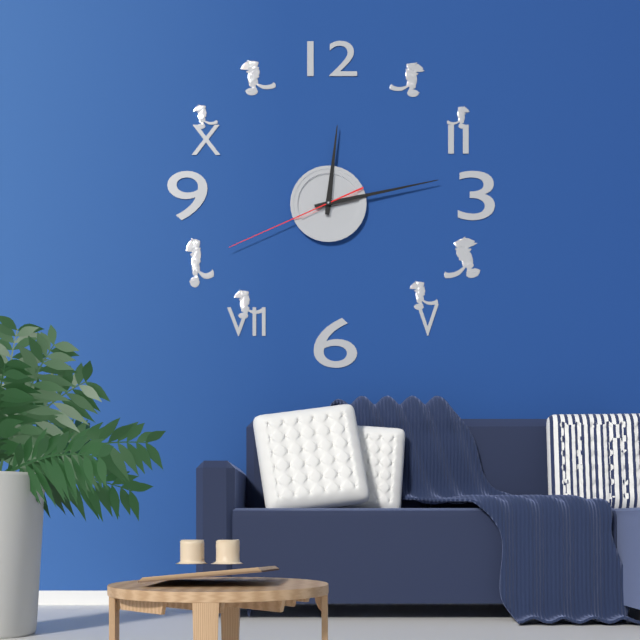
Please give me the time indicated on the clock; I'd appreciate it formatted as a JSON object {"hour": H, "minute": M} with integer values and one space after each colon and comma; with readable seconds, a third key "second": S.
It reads {"hour": 12, "minute": 13, "second": 41}
